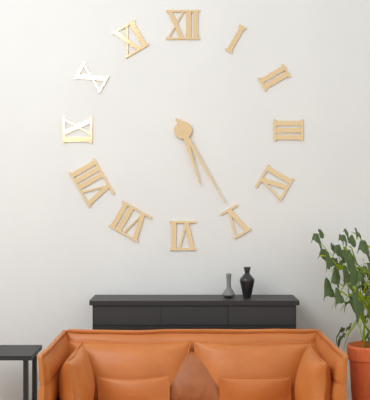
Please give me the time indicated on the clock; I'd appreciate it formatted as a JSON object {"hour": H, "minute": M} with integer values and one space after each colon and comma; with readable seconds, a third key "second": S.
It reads {"hour": 5, "minute": 25}
